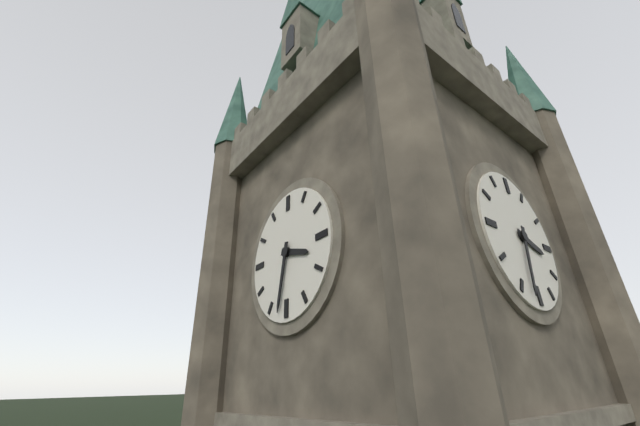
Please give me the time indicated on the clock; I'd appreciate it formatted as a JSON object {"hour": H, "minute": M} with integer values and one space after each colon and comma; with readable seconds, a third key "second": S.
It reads {"hour": 3, "minute": 32}
